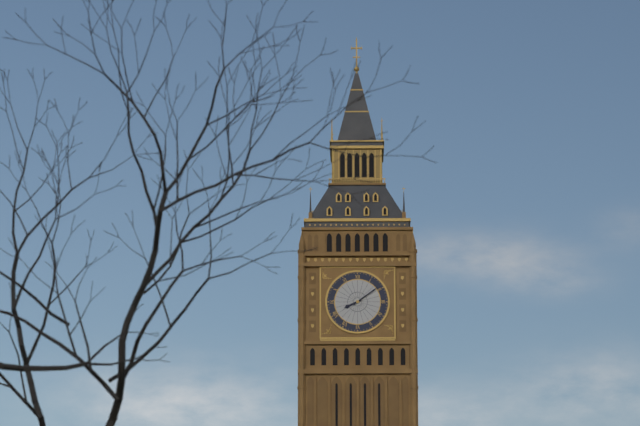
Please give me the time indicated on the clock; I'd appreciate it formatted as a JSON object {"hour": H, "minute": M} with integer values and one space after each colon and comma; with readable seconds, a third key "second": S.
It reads {"hour": 8, "minute": 9}
